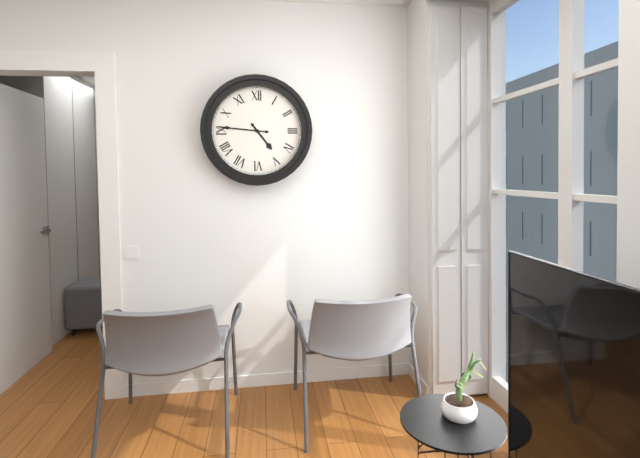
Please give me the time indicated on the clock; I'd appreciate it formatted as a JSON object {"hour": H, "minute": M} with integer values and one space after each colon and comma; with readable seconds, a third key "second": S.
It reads {"hour": 4, "minute": 46}
